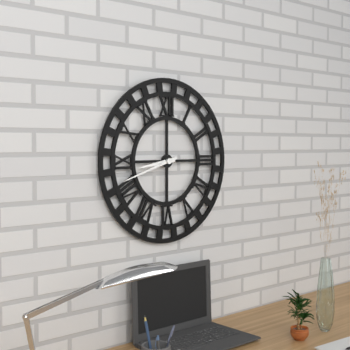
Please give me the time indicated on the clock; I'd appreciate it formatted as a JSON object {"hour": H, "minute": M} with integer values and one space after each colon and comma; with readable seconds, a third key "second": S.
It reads {"hour": 8, "minute": 42}
